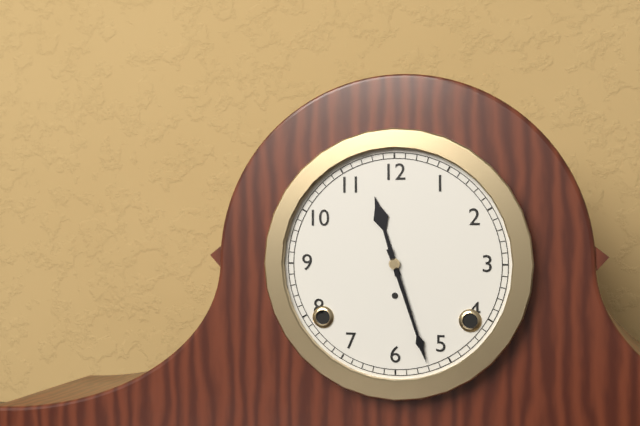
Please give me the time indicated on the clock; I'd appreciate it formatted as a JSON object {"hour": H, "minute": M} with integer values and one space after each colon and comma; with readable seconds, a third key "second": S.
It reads {"hour": 11, "minute": 27}
